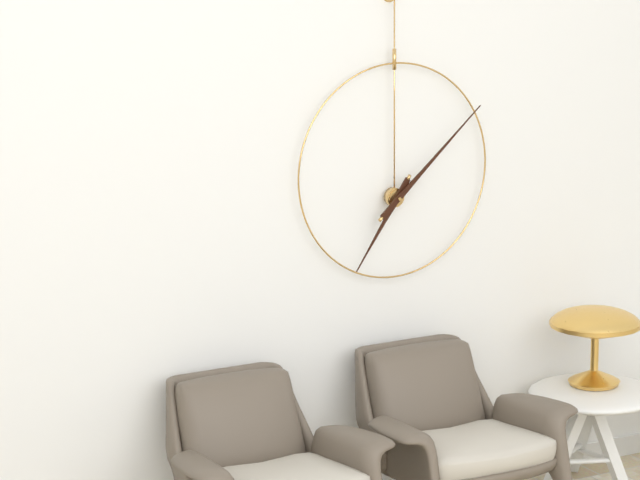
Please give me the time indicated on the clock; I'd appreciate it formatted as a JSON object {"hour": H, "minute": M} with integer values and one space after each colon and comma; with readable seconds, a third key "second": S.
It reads {"hour": 7, "minute": 8}
